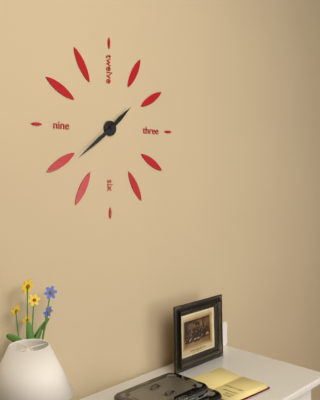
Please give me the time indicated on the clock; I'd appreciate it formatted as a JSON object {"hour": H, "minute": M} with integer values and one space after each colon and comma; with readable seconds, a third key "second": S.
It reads {"hour": 1, "minute": 39}
